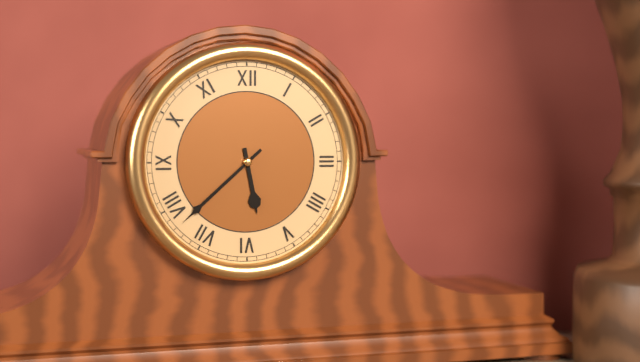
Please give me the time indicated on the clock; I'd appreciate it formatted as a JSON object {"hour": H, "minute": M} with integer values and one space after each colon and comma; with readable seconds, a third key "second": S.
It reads {"hour": 5, "minute": 38}
